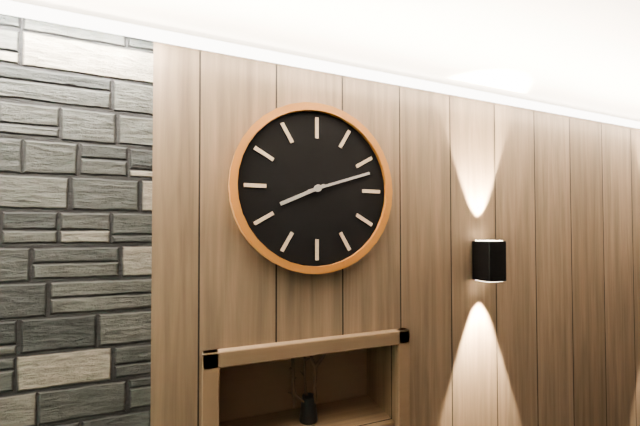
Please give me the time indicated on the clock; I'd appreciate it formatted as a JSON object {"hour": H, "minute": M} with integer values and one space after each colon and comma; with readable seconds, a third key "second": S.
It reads {"hour": 8, "minute": 12}
